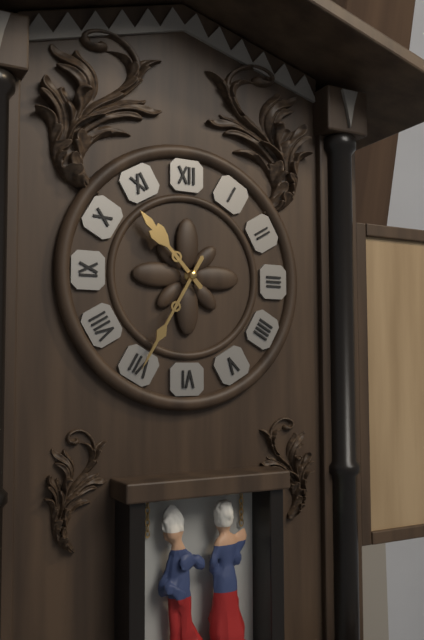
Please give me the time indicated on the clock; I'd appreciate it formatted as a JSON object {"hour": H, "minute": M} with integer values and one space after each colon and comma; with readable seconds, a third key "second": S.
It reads {"hour": 10, "minute": 35}
